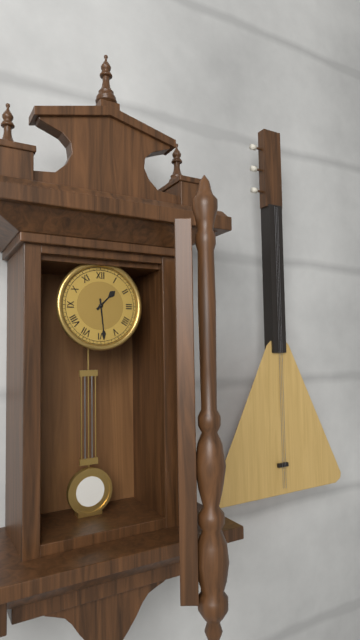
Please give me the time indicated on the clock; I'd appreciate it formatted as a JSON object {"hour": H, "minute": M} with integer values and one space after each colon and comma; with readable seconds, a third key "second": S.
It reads {"hour": 1, "minute": 29}
